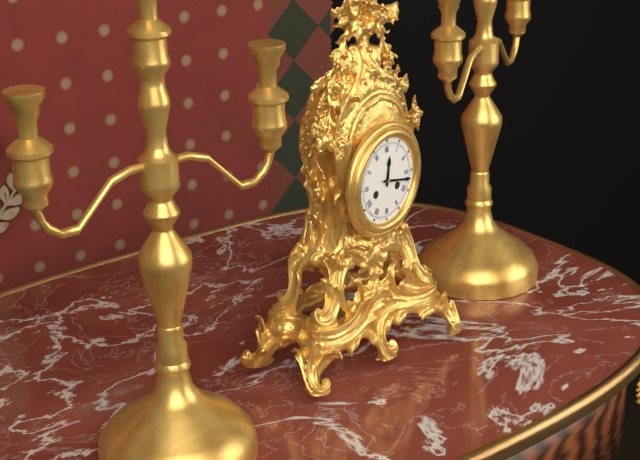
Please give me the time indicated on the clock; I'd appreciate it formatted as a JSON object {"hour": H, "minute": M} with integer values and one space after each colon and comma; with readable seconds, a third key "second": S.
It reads {"hour": 12, "minute": 17}
